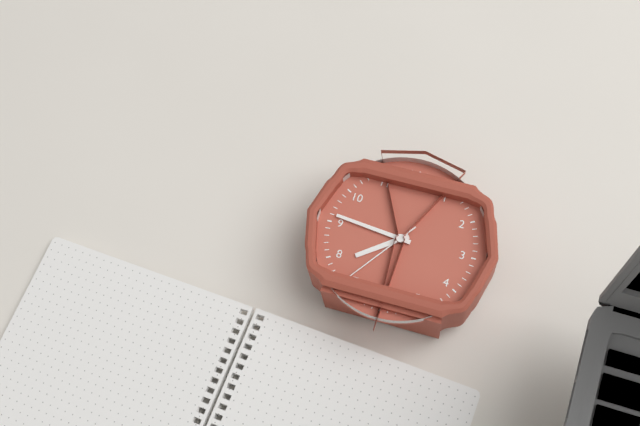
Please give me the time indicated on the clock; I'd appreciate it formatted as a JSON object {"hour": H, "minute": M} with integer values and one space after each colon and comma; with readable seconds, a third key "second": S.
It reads {"hour": 7, "minute": 46, "second": 36}
